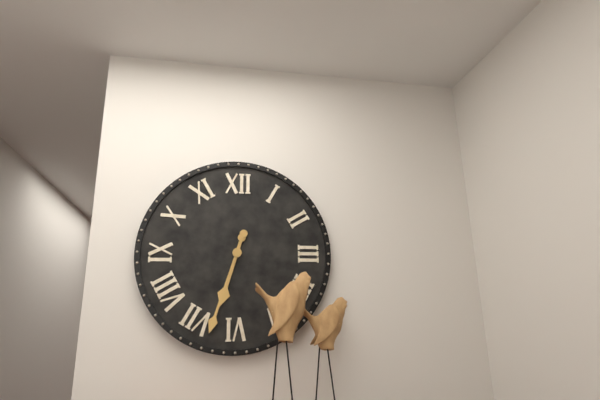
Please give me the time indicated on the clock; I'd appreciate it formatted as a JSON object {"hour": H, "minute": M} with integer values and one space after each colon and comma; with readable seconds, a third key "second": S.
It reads {"hour": 6, "minute": 33}
